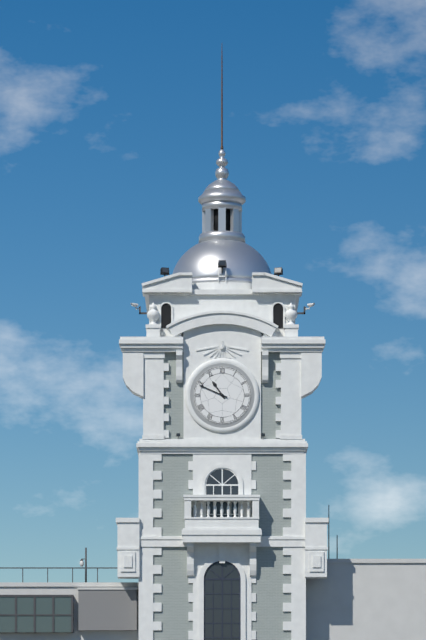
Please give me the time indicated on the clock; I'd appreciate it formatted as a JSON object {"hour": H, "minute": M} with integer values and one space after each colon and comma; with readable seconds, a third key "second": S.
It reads {"hour": 10, "minute": 49}
